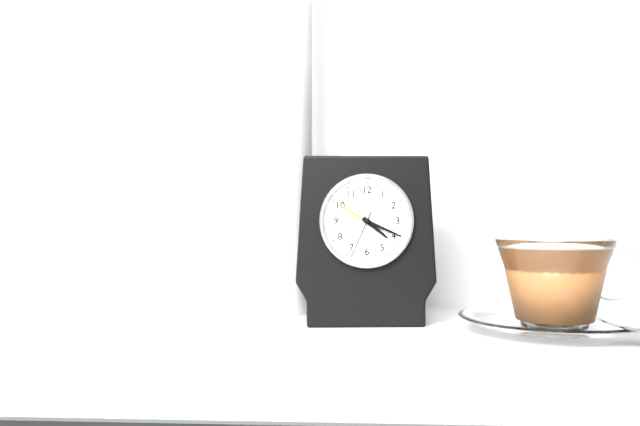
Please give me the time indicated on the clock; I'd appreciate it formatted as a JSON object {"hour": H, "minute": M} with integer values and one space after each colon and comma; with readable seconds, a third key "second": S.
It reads {"hour": 4, "minute": 19, "second": 34}
